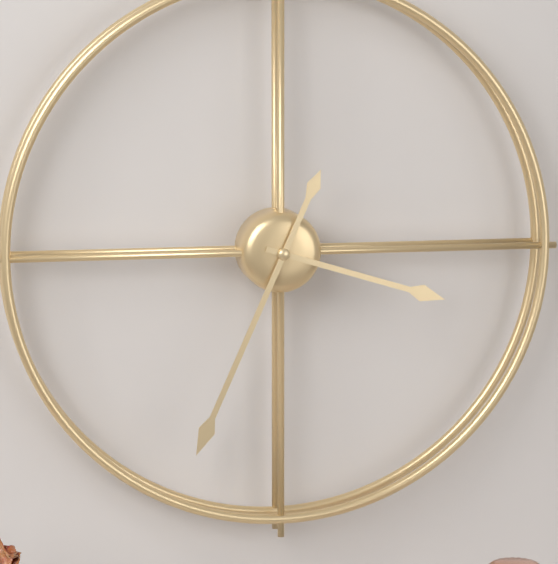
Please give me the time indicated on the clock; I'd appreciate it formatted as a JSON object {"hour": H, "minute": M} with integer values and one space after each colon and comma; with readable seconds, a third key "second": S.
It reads {"hour": 3, "minute": 34}
